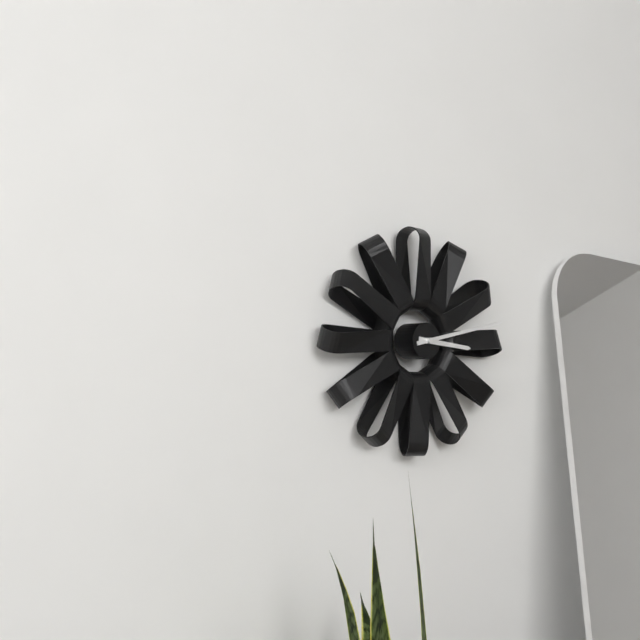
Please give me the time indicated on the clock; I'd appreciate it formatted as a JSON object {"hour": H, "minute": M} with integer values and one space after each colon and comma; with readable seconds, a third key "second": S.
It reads {"hour": 3, "minute": 13}
